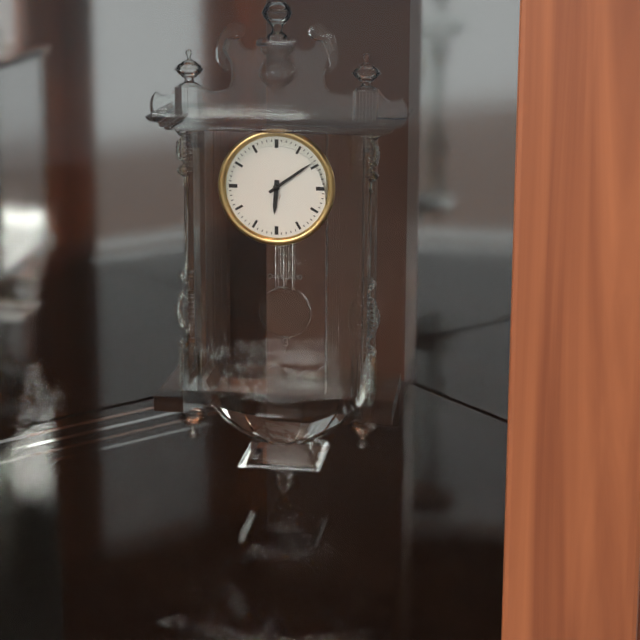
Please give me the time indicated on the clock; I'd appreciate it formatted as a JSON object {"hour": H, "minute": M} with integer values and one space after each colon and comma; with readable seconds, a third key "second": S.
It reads {"hour": 6, "minute": 9}
